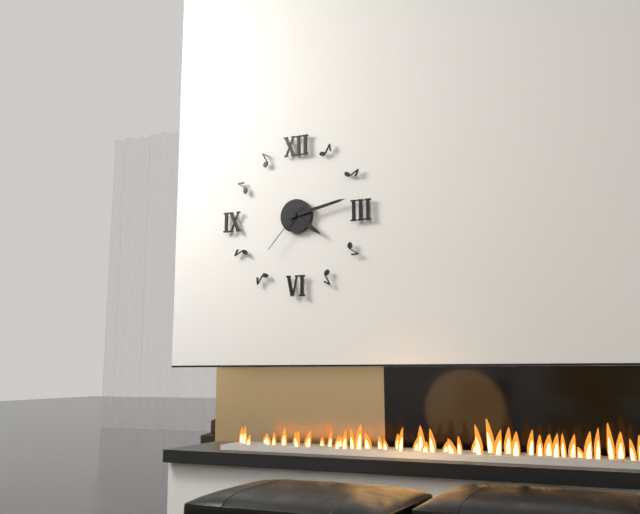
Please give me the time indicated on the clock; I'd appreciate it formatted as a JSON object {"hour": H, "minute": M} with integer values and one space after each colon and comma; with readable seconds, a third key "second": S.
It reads {"hour": 4, "minute": 13, "second": 37}
